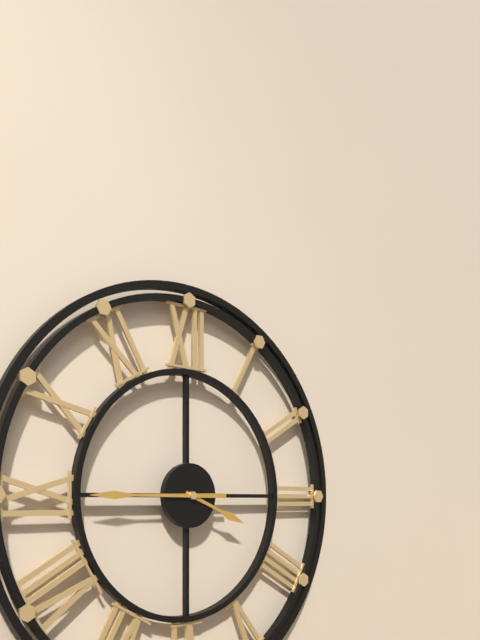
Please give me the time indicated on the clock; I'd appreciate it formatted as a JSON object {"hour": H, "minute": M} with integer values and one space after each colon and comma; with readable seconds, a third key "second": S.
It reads {"hour": 3, "minute": 45}
